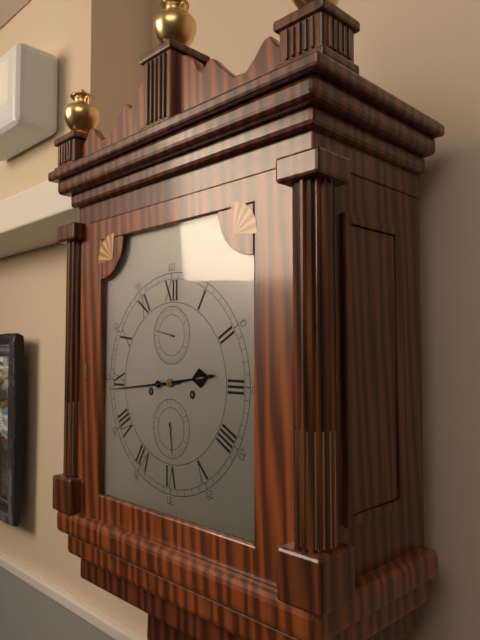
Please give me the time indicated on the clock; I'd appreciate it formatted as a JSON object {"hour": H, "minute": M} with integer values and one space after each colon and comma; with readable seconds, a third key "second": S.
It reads {"hour": 2, "minute": 44}
